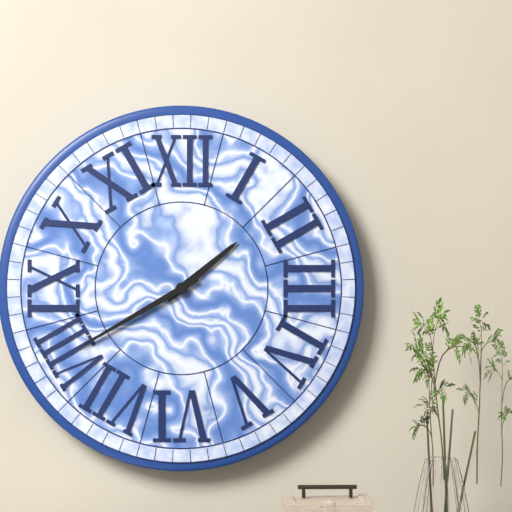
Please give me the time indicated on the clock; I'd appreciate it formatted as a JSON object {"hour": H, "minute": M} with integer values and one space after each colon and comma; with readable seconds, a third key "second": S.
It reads {"hour": 1, "minute": 40}
